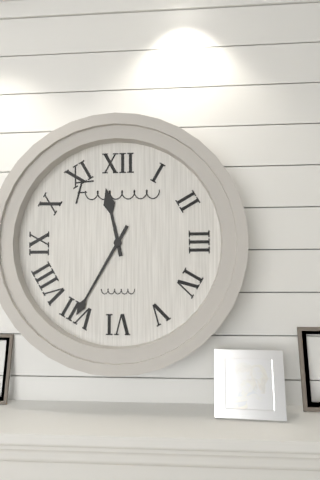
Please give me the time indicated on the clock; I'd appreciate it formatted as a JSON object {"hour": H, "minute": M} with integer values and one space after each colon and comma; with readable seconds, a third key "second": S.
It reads {"hour": 11, "minute": 35}
